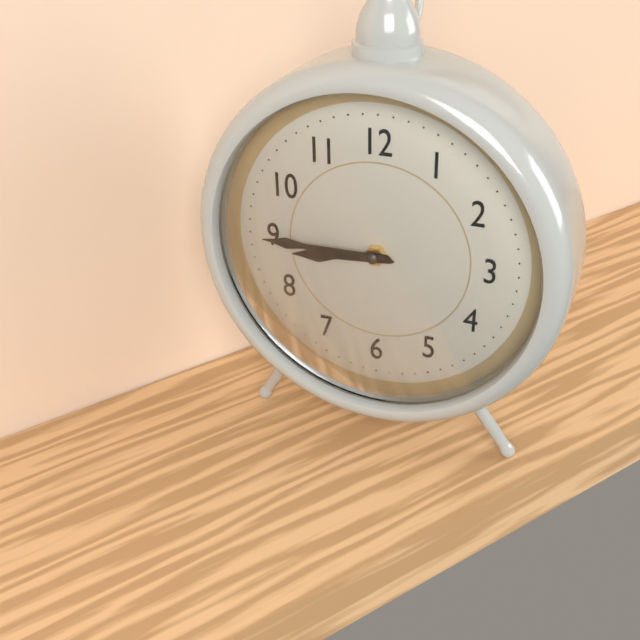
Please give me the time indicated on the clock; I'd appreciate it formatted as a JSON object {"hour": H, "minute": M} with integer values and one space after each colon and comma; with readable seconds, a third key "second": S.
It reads {"hour": 8, "minute": 45}
